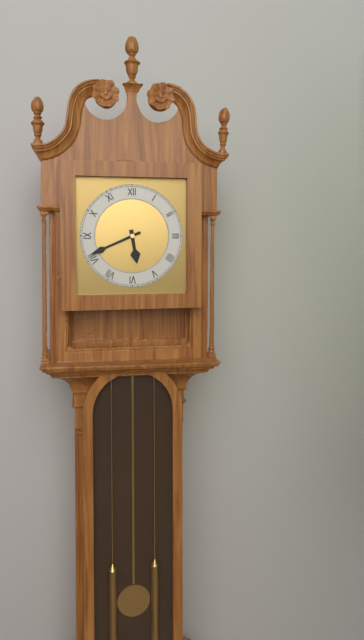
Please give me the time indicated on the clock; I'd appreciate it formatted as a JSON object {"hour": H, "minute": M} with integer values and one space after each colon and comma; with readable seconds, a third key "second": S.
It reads {"hour": 5, "minute": 41}
